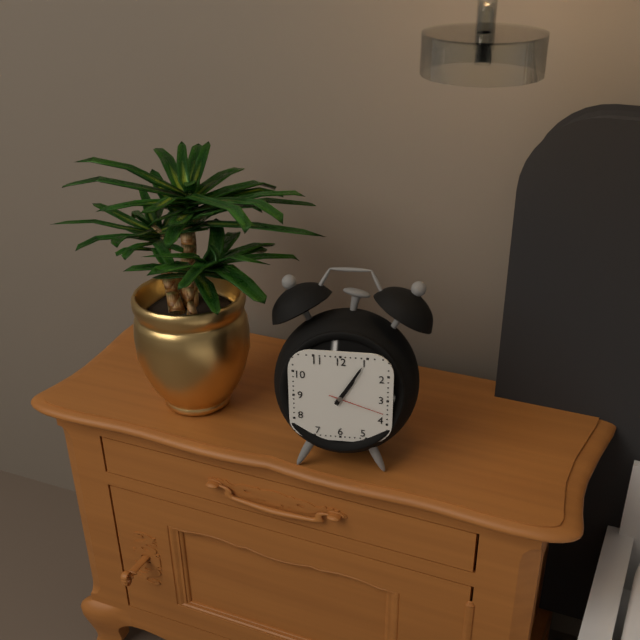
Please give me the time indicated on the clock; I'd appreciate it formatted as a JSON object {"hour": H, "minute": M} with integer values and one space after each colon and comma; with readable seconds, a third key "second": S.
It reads {"hour": 1, "minute": 5, "second": 18}
